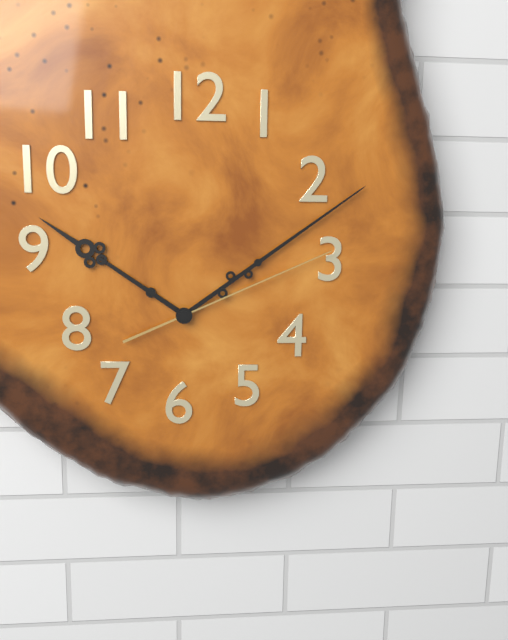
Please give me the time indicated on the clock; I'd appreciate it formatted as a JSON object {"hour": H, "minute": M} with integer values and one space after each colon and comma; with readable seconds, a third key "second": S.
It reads {"hour": 10, "minute": 9, "second": 11}
